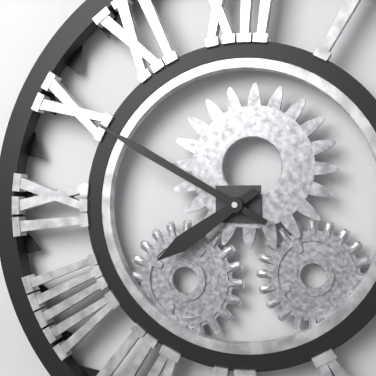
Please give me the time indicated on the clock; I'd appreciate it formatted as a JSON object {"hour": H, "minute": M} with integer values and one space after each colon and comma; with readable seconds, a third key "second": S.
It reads {"hour": 7, "minute": 50}
